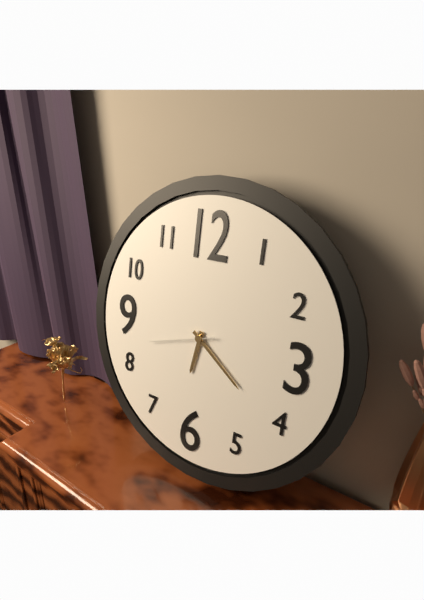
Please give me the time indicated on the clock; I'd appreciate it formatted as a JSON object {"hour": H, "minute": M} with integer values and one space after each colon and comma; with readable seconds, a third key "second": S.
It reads {"hour": 6, "minute": 21, "second": 42}
